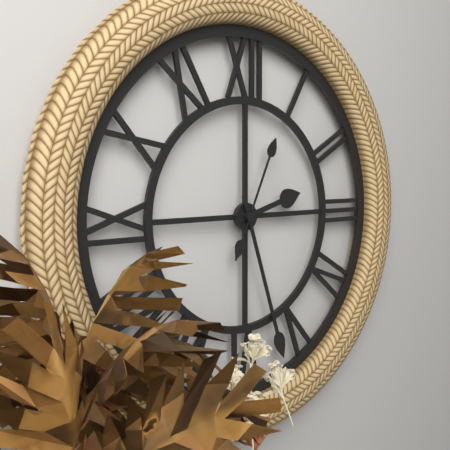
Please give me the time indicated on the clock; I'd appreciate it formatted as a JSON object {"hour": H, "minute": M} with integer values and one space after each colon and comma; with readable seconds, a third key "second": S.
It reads {"hour": 2, "minute": 27, "second": 4}
